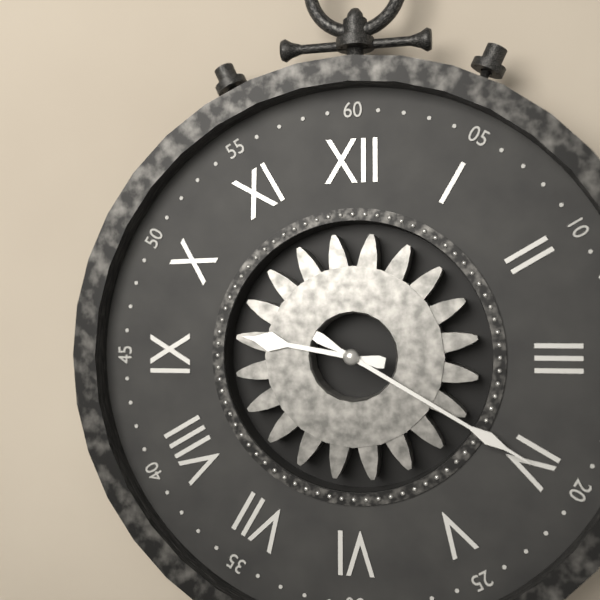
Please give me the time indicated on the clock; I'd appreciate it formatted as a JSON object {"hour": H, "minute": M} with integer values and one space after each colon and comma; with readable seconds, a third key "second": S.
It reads {"hour": 9, "minute": 20}
